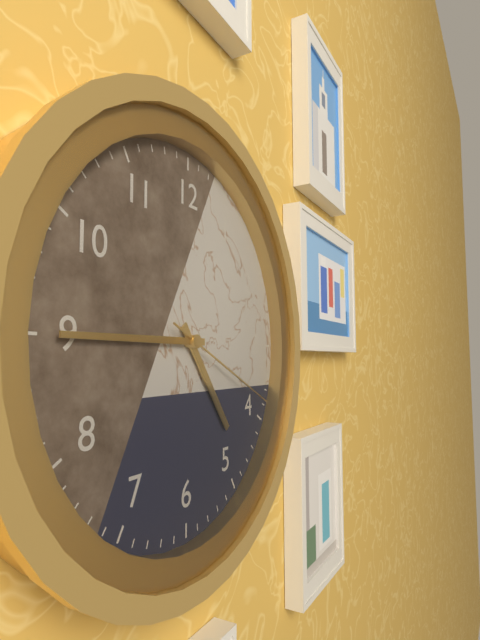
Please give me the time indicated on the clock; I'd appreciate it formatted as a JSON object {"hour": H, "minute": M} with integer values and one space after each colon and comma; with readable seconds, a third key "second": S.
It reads {"hour": 4, "minute": 45, "second": 19}
